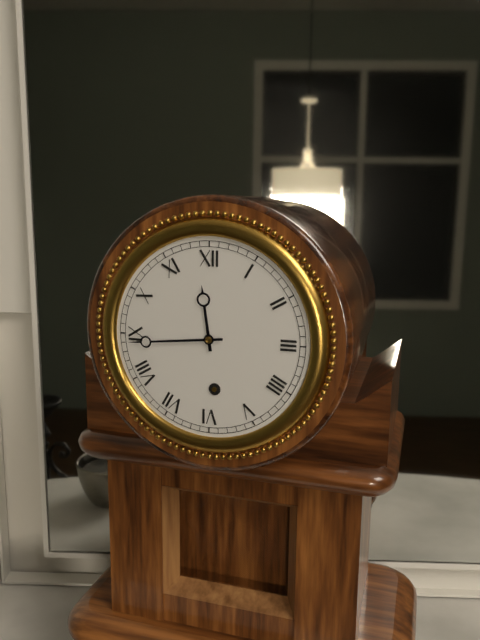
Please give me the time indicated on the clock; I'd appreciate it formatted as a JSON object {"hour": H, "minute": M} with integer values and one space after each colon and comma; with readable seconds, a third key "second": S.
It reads {"hour": 11, "minute": 44}
